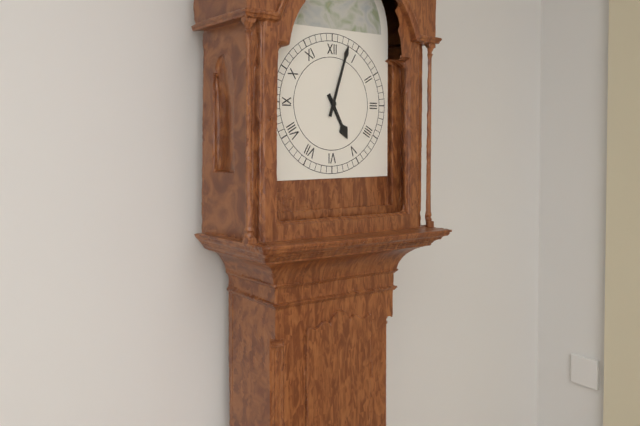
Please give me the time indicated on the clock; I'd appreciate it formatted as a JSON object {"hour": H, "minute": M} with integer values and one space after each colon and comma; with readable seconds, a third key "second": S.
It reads {"hour": 5, "minute": 3}
